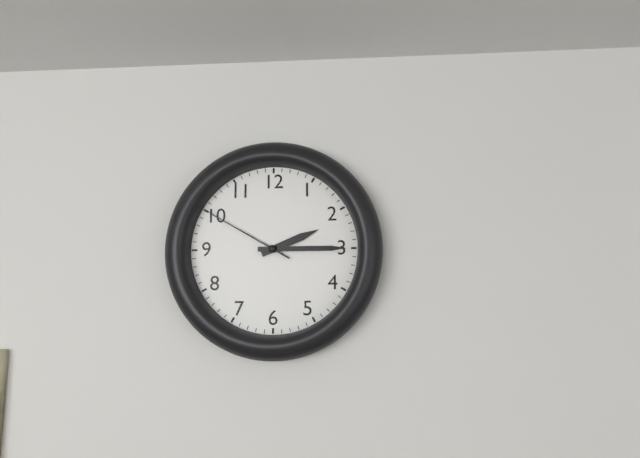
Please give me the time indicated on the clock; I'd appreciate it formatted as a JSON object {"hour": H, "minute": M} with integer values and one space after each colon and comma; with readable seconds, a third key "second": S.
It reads {"hour": 2, "minute": 15, "second": 50}
